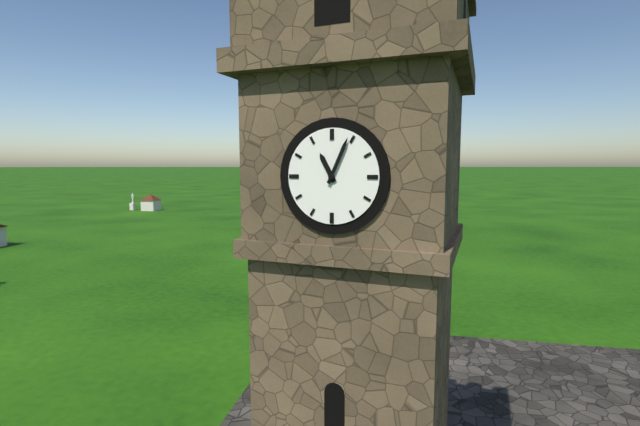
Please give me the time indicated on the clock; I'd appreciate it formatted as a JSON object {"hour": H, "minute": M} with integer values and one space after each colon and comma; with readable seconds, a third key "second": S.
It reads {"hour": 11, "minute": 4}
